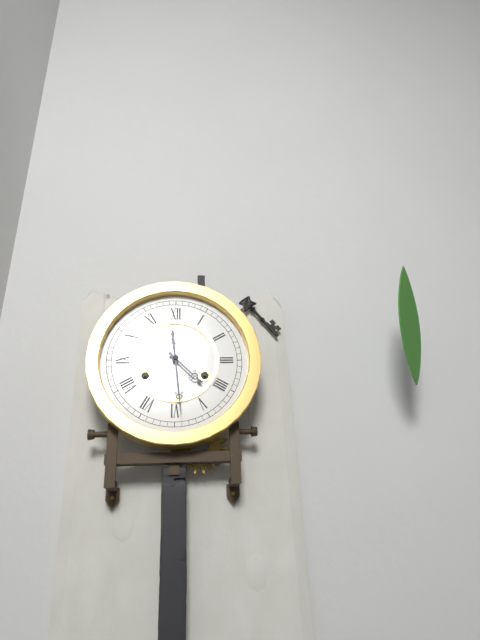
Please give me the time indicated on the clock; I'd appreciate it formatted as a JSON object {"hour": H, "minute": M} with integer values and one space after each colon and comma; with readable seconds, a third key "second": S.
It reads {"hour": 4, "minute": 29}
